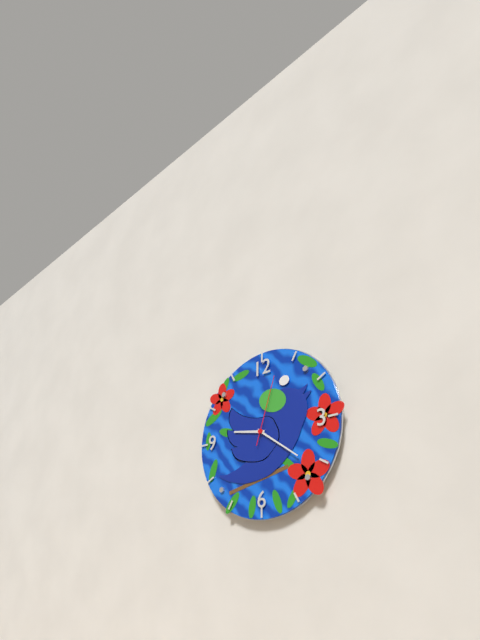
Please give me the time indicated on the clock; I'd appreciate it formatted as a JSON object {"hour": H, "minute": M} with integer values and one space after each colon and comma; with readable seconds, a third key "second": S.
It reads {"hour": 9, "minute": 21, "second": 3}
